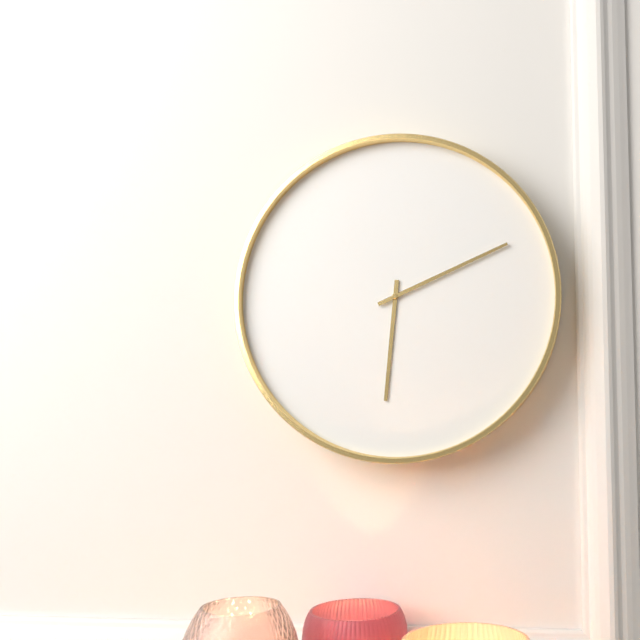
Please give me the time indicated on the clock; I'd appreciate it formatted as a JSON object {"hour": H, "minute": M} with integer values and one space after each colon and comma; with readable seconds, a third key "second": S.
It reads {"hour": 6, "minute": 11}
